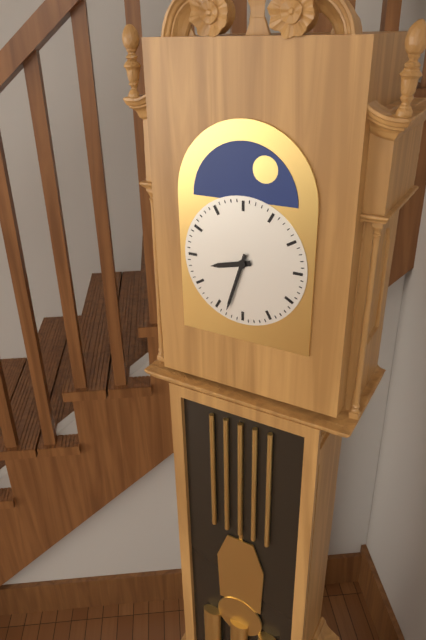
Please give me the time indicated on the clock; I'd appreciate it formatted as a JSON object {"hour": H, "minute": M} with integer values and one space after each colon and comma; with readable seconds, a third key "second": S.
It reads {"hour": 8, "minute": 33}
